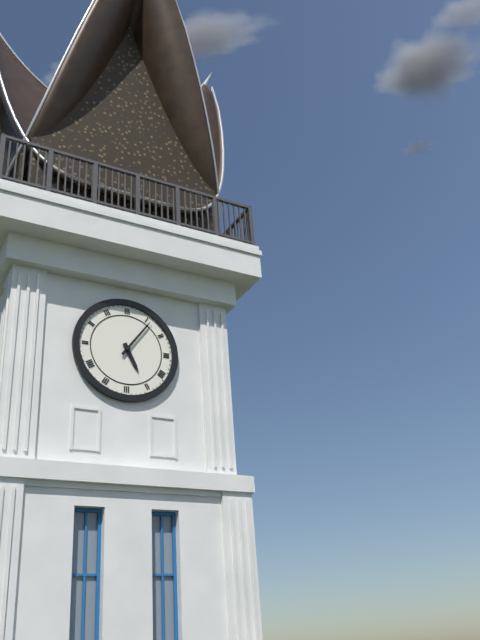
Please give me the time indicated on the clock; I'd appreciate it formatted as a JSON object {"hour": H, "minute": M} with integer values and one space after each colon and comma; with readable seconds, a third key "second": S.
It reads {"hour": 5, "minute": 6}
